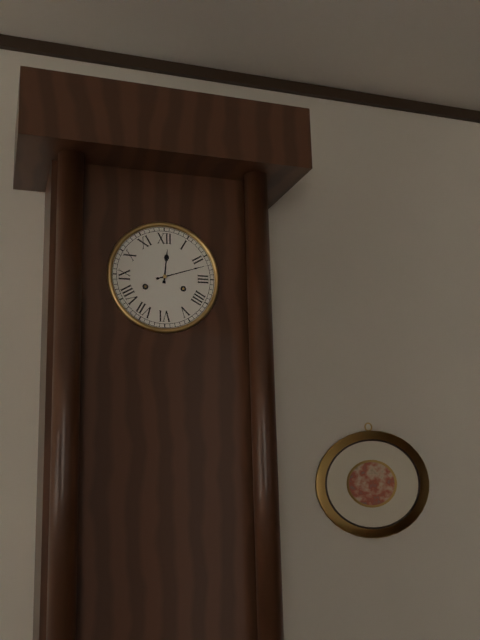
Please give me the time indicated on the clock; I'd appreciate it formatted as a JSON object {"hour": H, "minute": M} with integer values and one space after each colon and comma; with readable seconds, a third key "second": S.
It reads {"hour": 12, "minute": 12}
